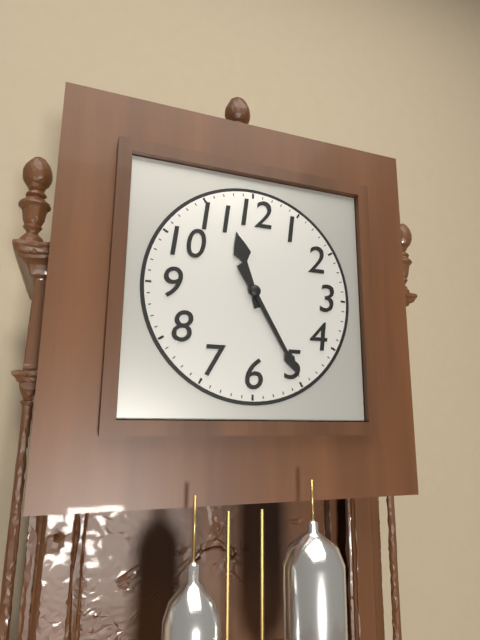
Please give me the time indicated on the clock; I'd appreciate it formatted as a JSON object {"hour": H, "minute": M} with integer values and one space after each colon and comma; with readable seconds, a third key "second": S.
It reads {"hour": 11, "minute": 25}
